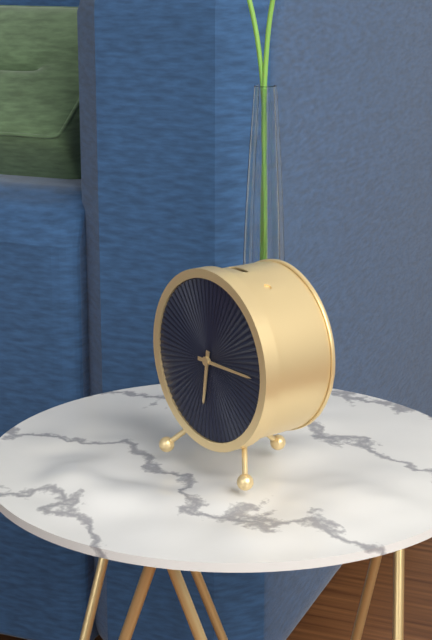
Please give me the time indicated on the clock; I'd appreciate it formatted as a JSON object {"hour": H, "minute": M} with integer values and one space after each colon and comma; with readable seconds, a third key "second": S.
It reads {"hour": 6, "minute": 15}
